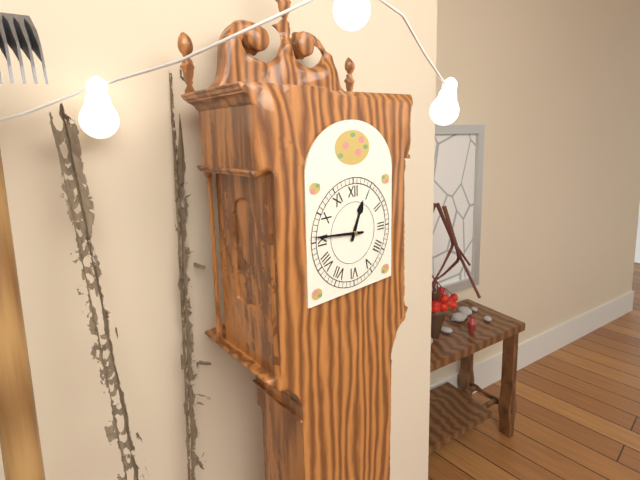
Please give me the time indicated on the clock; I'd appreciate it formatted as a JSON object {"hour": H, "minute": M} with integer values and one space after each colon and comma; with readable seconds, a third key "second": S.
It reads {"hour": 12, "minute": 46}
